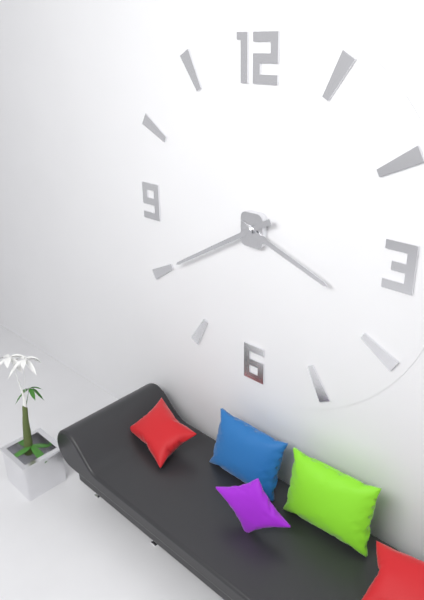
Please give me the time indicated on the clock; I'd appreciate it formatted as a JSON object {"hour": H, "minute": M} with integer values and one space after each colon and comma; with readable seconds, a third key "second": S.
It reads {"hour": 3, "minute": 40}
